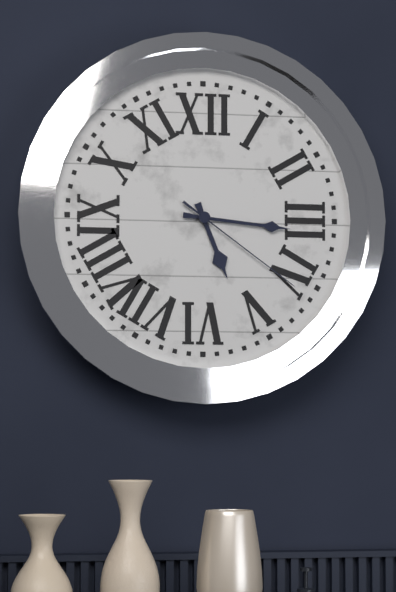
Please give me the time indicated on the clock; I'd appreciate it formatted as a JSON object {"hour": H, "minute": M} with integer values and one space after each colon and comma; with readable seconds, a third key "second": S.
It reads {"hour": 5, "minute": 16, "second": 21}
